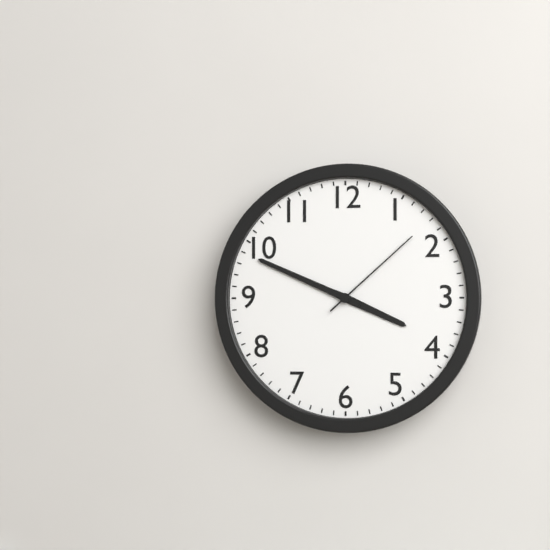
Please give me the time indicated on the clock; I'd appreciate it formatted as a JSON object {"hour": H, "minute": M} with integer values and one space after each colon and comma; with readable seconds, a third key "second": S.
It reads {"hour": 3, "minute": 49, "second": 8}
